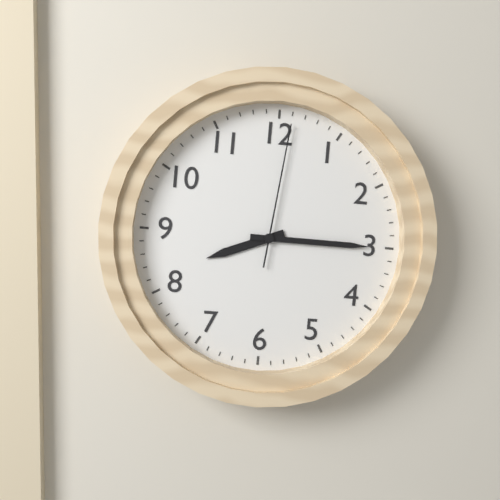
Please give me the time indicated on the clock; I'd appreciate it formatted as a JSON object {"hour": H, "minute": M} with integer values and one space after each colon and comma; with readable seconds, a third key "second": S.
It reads {"hour": 8, "minute": 15, "second": 1}
